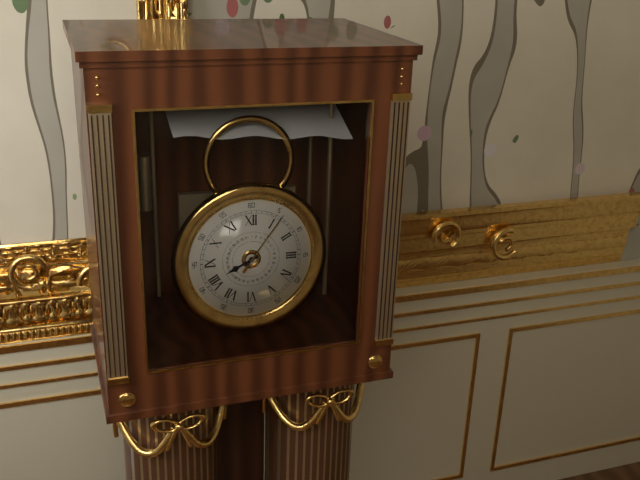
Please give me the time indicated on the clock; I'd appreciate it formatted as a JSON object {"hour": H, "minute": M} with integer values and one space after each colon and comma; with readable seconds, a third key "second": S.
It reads {"hour": 8, "minute": 6, "second": 6}
